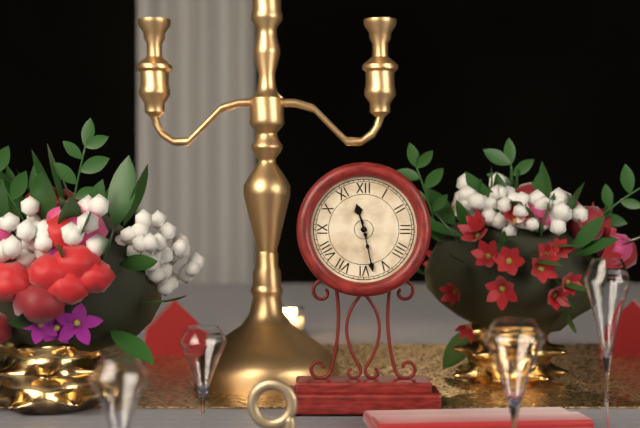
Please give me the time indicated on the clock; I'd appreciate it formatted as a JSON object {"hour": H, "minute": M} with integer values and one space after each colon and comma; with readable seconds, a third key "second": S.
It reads {"hour": 11, "minute": 28}
